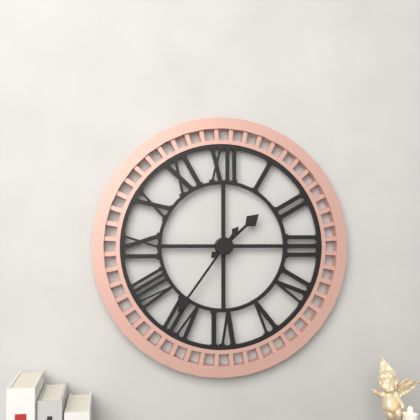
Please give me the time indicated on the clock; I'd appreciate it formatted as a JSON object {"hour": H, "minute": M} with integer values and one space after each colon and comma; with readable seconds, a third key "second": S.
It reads {"hour": 1, "minute": 36}
